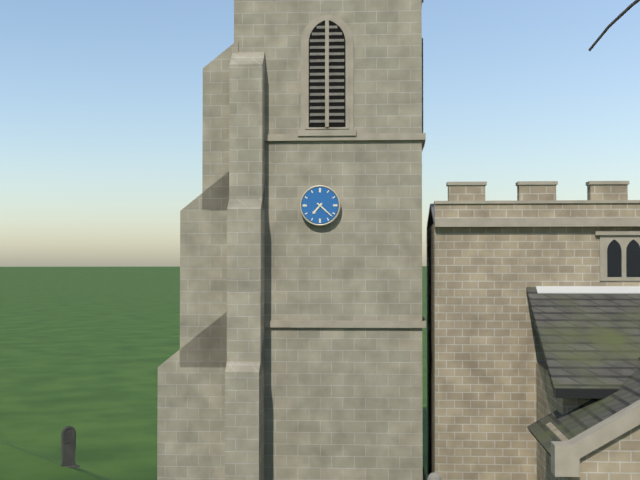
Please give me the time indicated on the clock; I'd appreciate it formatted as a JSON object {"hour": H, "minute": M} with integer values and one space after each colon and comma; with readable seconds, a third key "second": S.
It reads {"hour": 7, "minute": 22}
